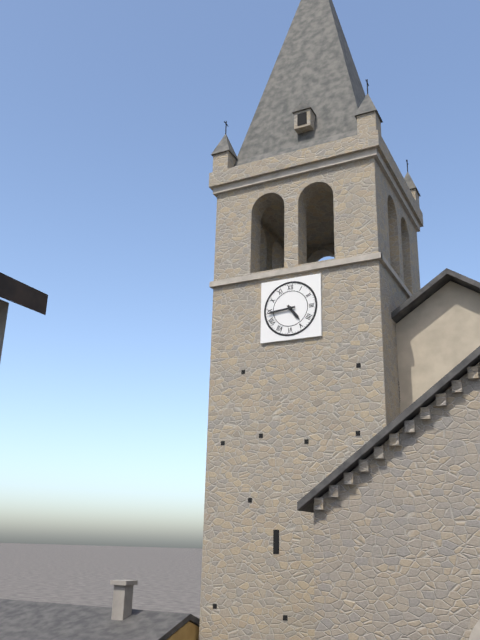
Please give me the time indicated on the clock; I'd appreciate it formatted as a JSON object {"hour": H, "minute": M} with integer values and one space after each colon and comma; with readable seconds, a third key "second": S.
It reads {"hour": 4, "minute": 44}
